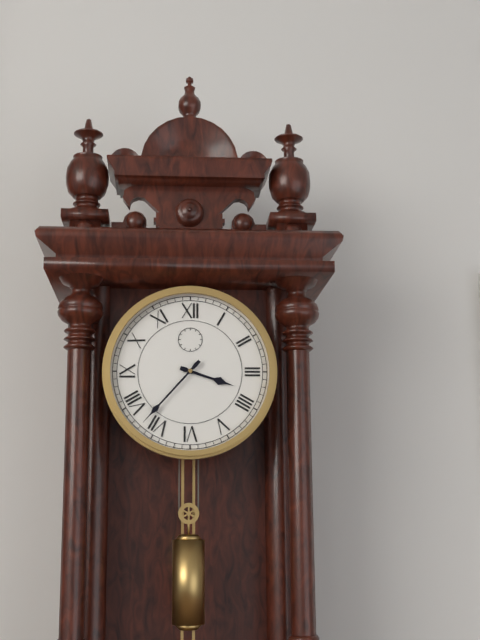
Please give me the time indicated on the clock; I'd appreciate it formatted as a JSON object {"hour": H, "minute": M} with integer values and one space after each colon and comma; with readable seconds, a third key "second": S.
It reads {"hour": 3, "minute": 37}
